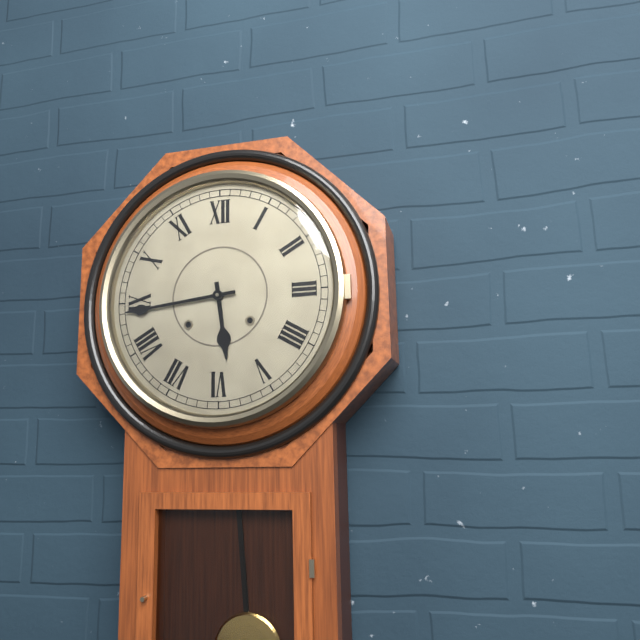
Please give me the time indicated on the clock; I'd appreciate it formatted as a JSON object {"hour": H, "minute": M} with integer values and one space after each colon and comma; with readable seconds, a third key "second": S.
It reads {"hour": 5, "minute": 44}
